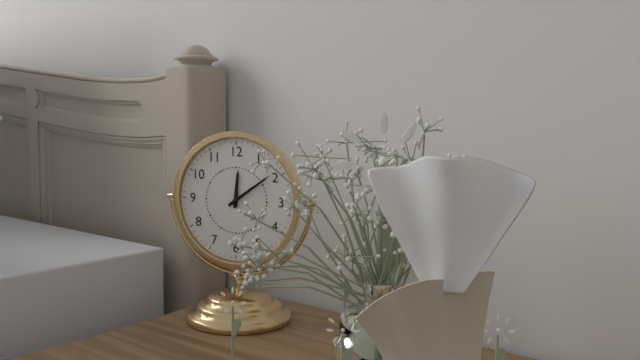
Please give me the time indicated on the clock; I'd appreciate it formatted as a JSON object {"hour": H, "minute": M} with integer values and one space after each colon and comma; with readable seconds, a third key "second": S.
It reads {"hour": 12, "minute": 9}
